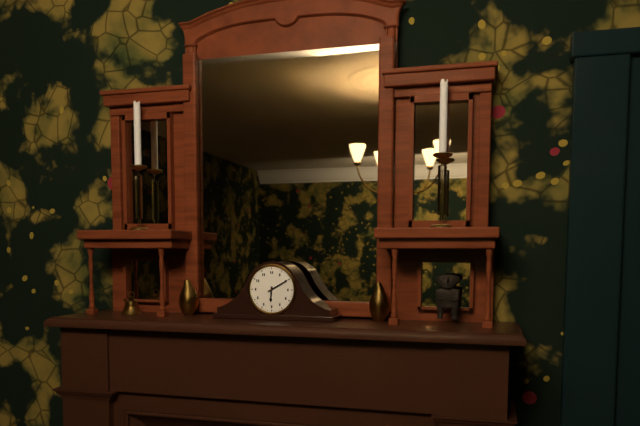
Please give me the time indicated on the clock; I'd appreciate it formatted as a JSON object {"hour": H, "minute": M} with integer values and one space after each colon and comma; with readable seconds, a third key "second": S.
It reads {"hour": 6, "minute": 10}
